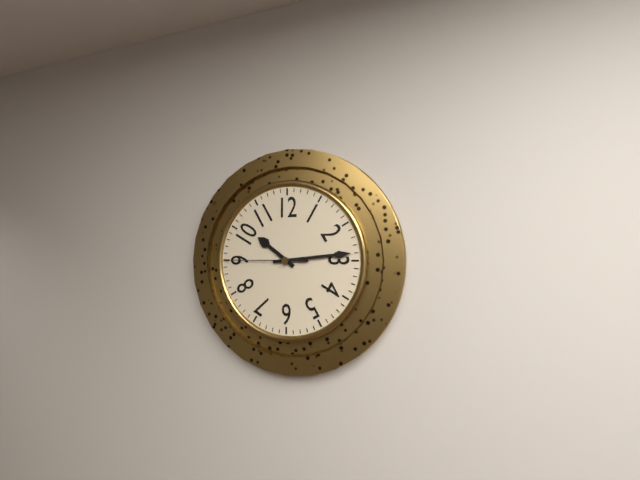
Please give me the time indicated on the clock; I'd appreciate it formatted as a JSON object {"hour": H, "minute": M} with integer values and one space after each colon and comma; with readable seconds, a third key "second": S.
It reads {"hour": 10, "minute": 14, "second": 45}
